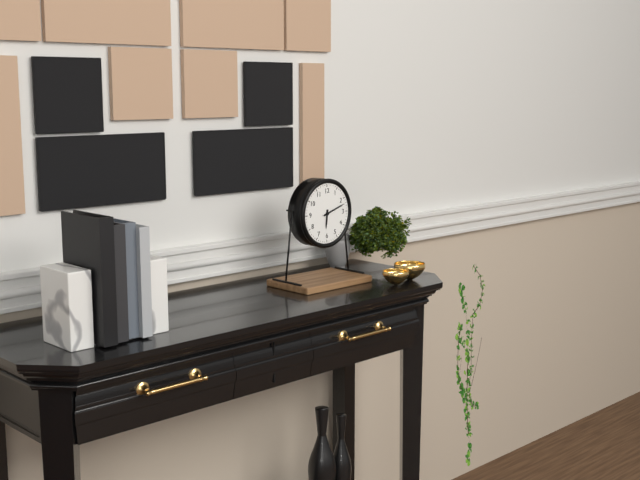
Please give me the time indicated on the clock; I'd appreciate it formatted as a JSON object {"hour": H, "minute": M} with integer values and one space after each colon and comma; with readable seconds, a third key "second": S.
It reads {"hour": 6, "minute": 12}
